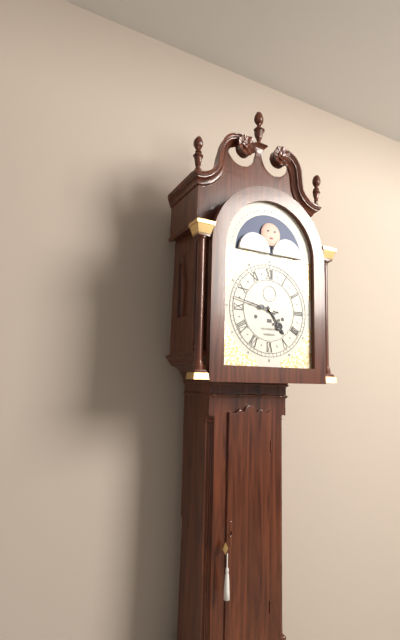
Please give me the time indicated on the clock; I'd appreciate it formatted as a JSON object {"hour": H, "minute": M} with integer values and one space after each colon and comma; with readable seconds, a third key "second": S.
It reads {"hour": 4, "minute": 47}
